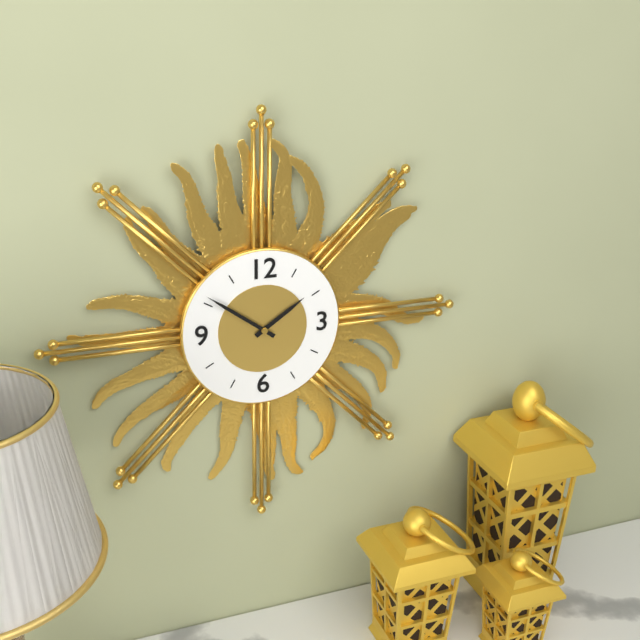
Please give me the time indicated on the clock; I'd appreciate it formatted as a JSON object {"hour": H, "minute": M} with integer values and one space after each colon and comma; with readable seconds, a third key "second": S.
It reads {"hour": 1, "minute": 51}
